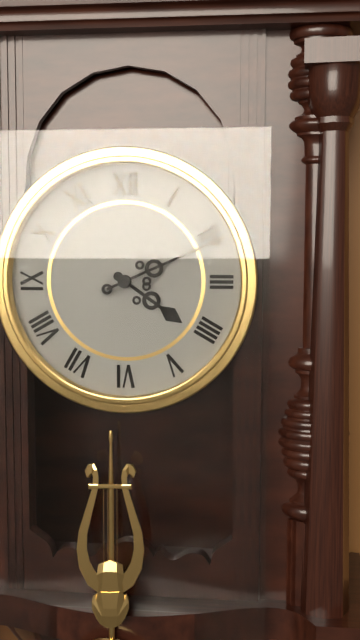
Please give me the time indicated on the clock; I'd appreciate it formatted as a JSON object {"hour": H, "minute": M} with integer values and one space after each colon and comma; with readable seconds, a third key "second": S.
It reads {"hour": 4, "minute": 11}
